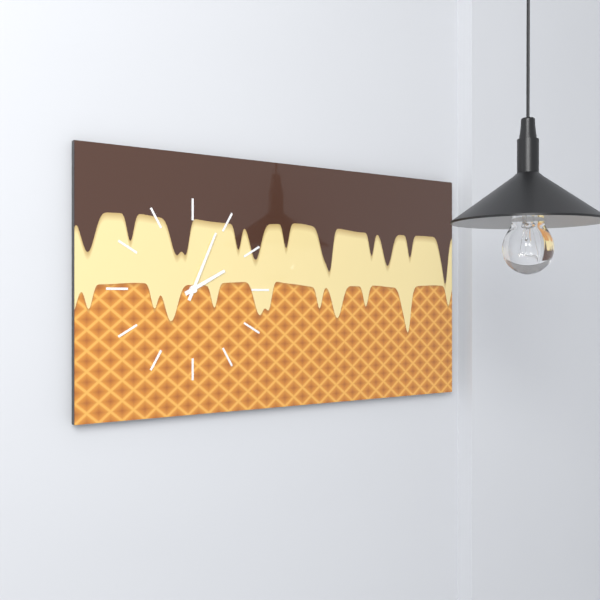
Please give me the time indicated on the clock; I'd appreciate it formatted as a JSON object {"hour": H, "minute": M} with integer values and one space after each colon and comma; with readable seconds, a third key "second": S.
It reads {"hour": 2, "minute": 4}
